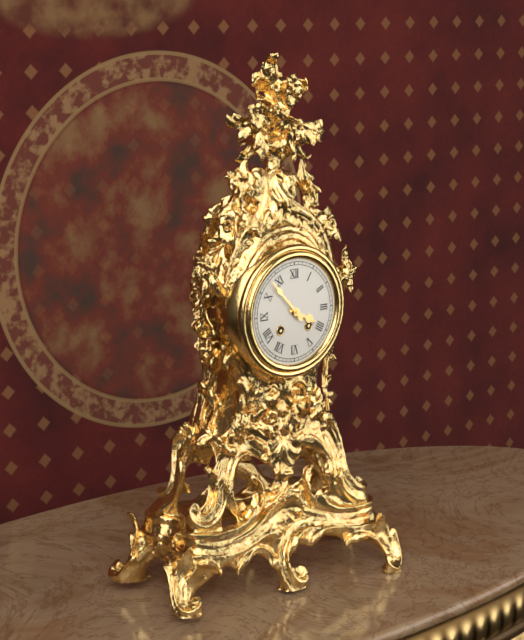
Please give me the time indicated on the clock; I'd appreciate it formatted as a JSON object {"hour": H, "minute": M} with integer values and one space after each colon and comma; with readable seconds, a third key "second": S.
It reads {"hour": 3, "minute": 53}
